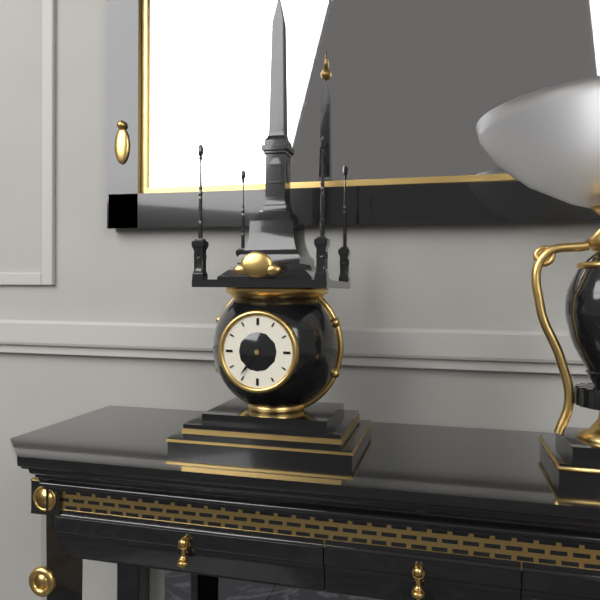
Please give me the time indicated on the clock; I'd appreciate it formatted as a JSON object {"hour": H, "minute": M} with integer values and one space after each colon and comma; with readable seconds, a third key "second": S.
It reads {"hour": 5, "minute": 36}
